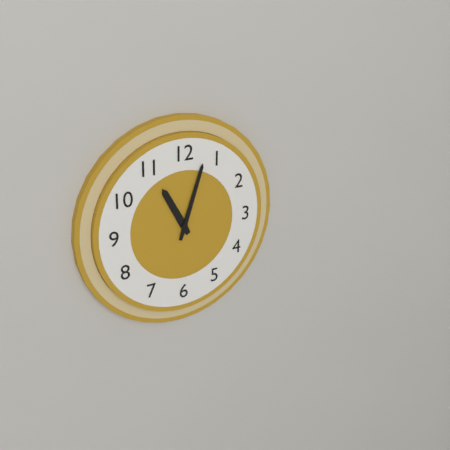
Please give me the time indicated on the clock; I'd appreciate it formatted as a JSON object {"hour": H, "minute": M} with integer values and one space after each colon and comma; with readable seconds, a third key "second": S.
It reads {"hour": 11, "minute": 3}
